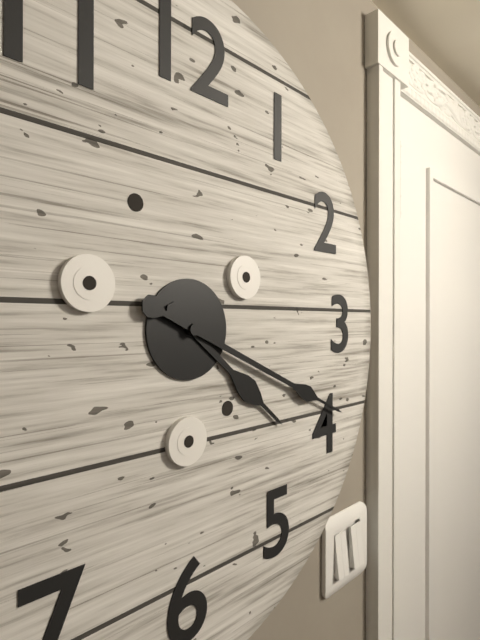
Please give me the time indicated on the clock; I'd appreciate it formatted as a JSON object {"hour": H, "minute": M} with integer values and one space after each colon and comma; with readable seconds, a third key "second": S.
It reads {"hour": 4, "minute": 19}
